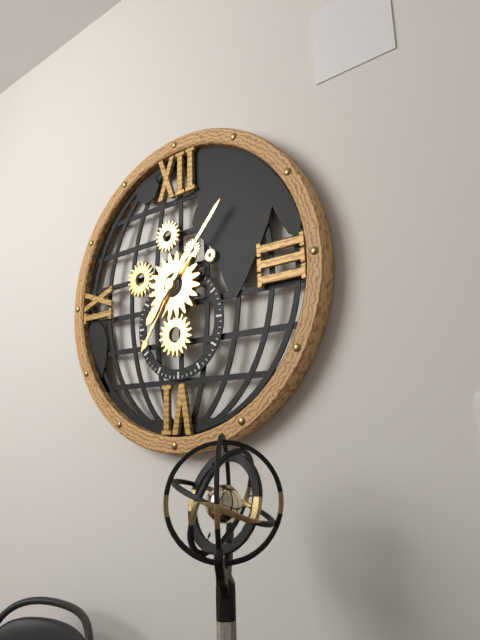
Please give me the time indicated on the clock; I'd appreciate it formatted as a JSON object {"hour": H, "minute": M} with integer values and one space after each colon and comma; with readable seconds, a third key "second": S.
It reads {"hour": 7, "minute": 7}
